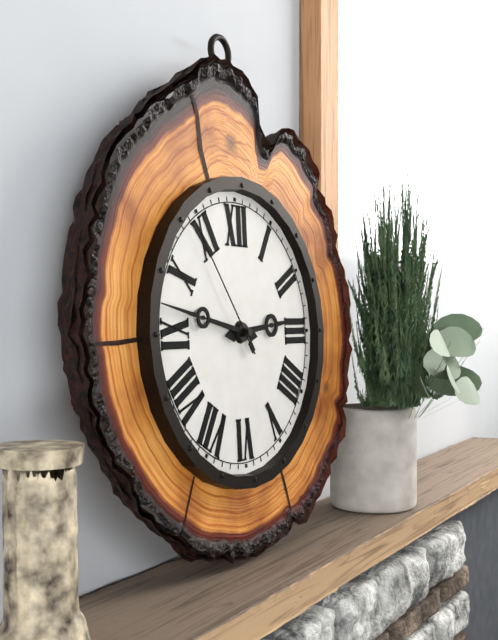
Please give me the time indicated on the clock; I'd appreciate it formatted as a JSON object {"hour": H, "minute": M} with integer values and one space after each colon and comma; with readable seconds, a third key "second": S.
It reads {"hour": 2, "minute": 47, "second": 54}
